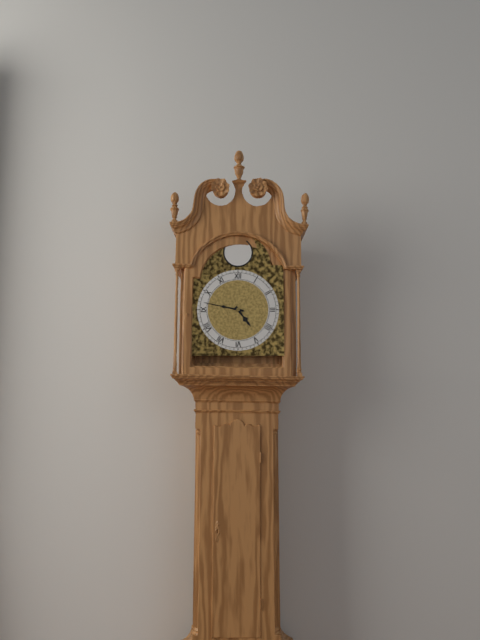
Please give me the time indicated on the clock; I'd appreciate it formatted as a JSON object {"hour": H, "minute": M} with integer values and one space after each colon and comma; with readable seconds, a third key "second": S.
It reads {"hour": 4, "minute": 47}
